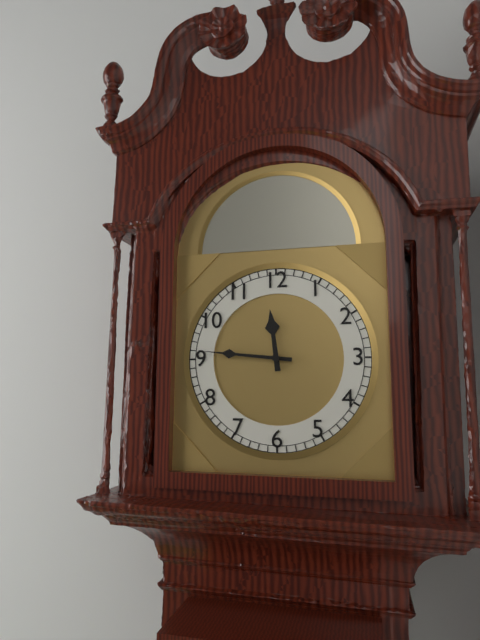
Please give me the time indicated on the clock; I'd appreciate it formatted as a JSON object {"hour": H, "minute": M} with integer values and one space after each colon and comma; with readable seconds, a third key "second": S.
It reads {"hour": 11, "minute": 46}
